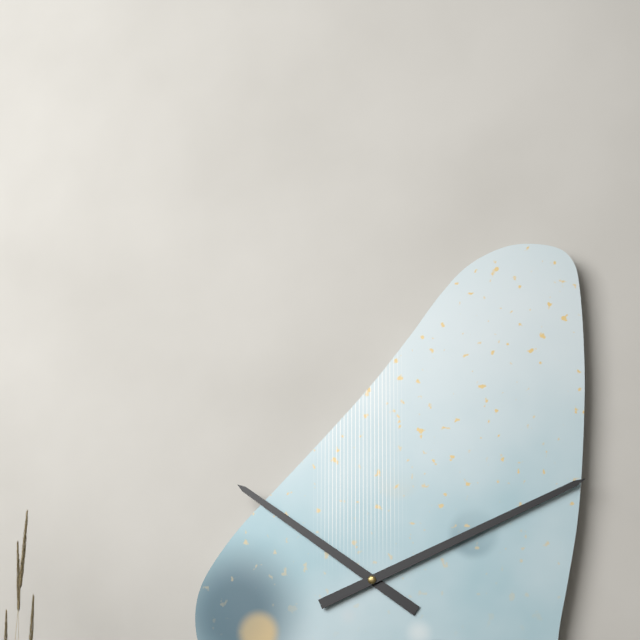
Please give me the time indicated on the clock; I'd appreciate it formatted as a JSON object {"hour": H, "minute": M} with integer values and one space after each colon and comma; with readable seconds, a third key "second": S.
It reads {"hour": 10, "minute": 11}
